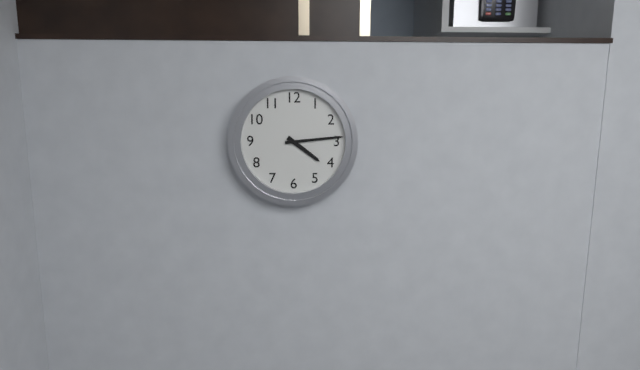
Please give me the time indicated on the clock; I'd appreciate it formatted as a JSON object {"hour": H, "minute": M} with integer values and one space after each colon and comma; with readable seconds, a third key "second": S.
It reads {"hour": 4, "minute": 14}
